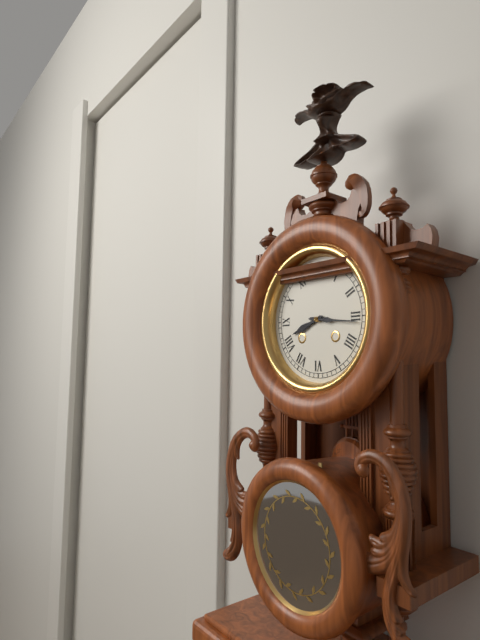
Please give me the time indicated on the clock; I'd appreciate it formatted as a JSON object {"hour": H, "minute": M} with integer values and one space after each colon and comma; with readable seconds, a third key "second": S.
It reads {"hour": 8, "minute": 16}
